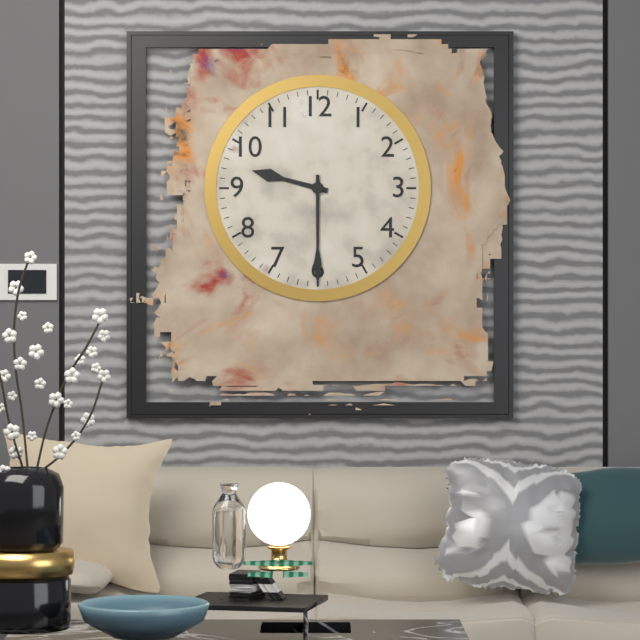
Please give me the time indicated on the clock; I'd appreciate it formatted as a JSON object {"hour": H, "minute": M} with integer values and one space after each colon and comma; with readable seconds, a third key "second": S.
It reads {"hour": 9, "minute": 30}
